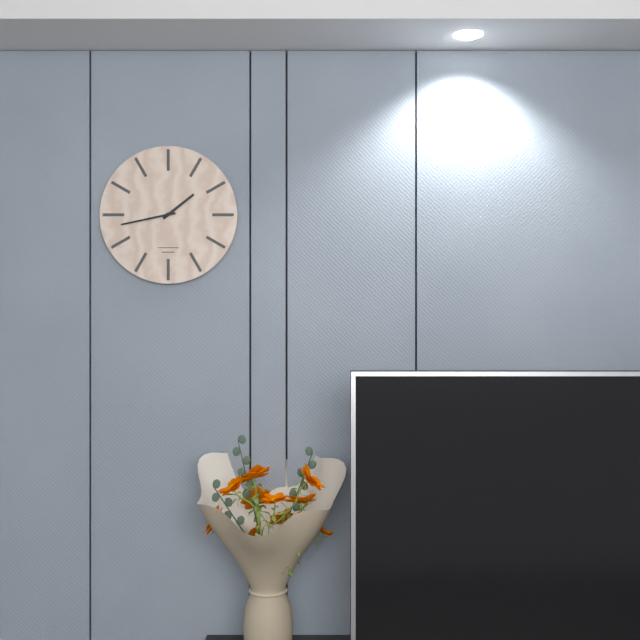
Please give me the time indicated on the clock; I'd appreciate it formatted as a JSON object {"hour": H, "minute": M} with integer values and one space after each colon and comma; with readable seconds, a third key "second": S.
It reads {"hour": 1, "minute": 43}
